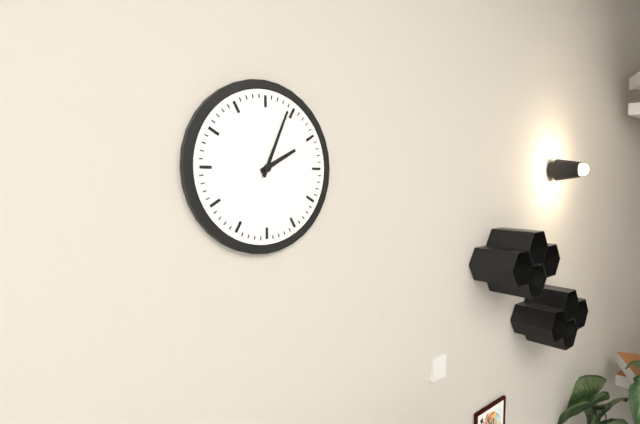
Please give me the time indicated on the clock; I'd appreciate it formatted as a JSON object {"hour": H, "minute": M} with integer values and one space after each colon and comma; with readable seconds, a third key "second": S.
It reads {"hour": 2, "minute": 4}
